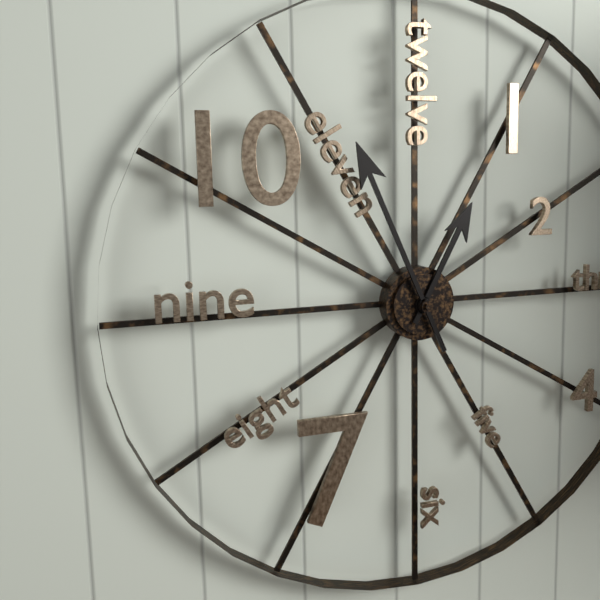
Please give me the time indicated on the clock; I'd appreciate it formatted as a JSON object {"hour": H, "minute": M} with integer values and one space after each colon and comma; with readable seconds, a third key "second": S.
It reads {"hour": 12, "minute": 56}
